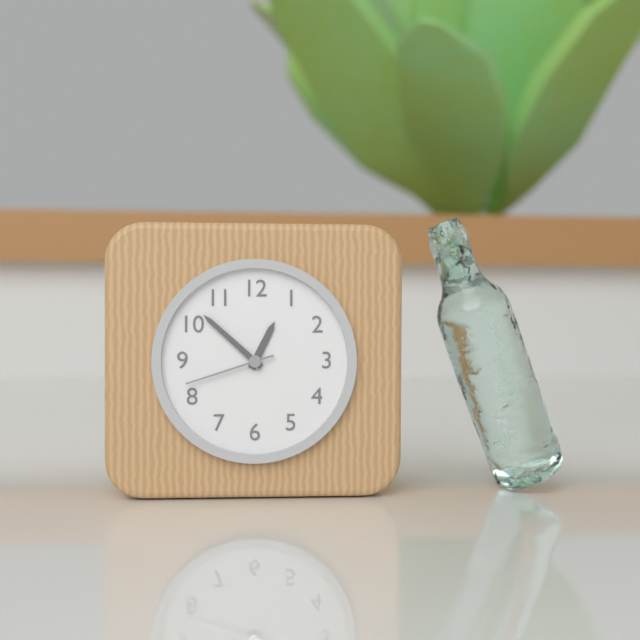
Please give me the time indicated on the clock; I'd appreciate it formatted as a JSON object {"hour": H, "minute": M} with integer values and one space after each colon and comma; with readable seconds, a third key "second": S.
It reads {"hour": 12, "minute": 52, "second": 42}
